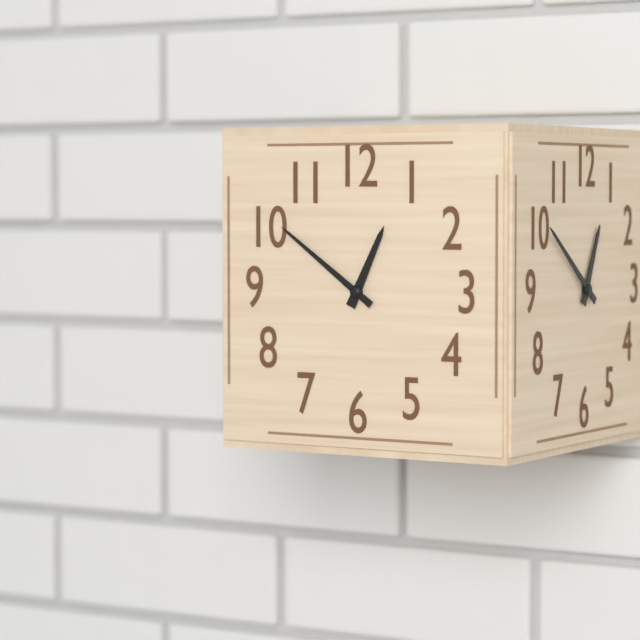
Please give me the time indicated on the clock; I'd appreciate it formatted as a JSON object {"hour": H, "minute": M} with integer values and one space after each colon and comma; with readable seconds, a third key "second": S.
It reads {"hour": 12, "minute": 51}
